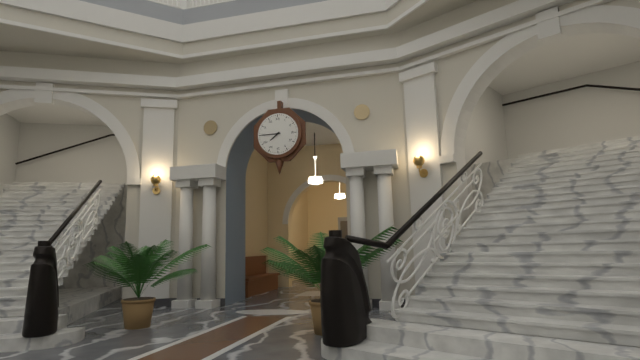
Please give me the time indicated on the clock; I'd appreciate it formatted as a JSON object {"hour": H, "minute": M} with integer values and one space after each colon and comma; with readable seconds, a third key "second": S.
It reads {"hour": 7, "minute": 45}
